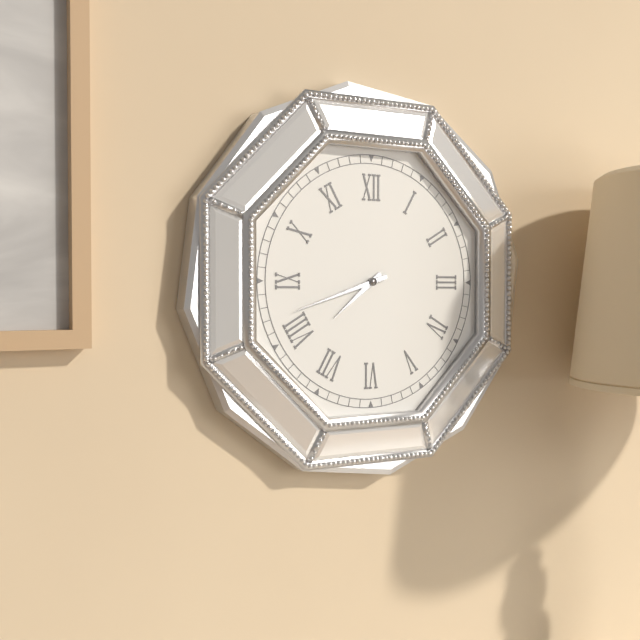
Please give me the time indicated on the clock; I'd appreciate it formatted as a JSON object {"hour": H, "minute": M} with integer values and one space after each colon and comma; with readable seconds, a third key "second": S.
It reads {"hour": 7, "minute": 42}
